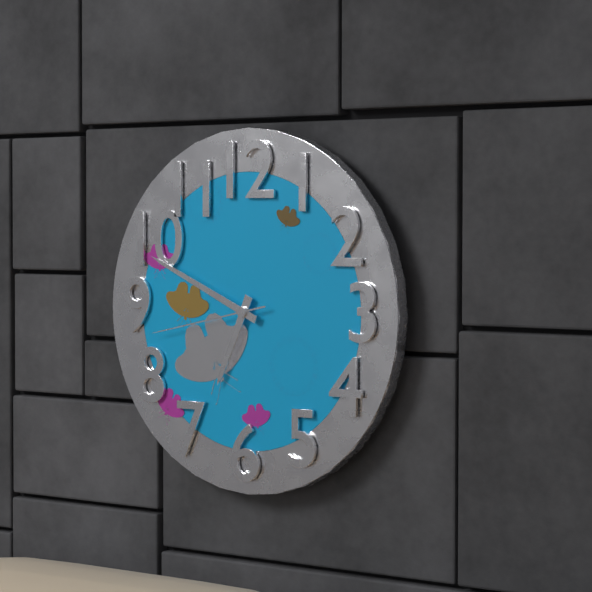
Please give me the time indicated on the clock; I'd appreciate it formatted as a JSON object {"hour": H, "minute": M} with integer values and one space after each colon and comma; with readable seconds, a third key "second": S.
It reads {"hour": 6, "minute": 49, "second": 43}
